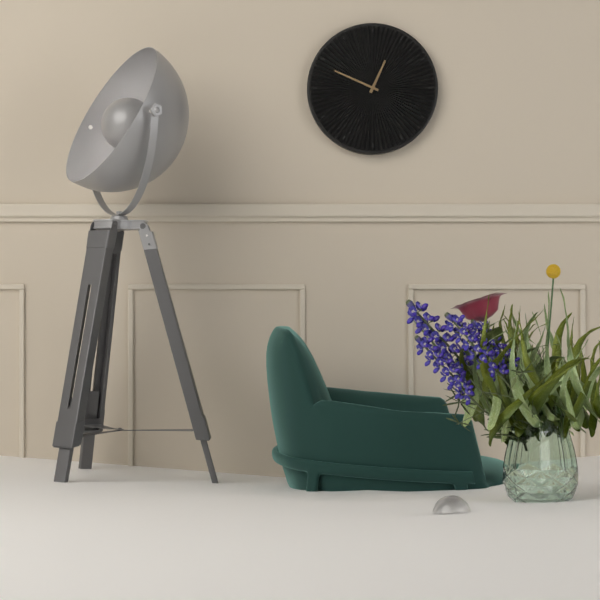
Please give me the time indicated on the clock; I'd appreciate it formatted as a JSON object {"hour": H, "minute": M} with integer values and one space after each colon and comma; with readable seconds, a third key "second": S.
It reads {"hour": 12, "minute": 49}
